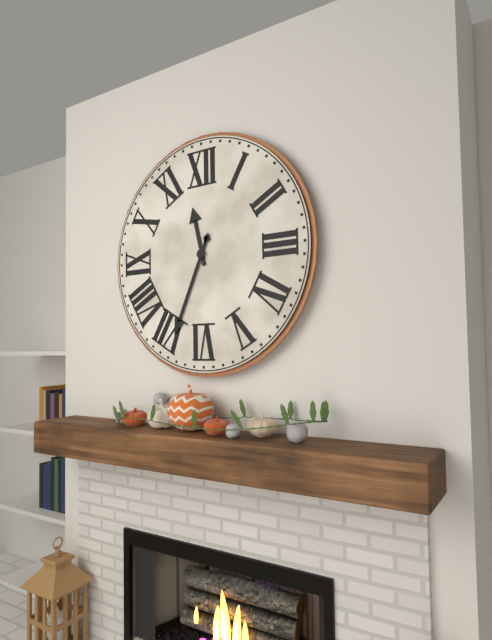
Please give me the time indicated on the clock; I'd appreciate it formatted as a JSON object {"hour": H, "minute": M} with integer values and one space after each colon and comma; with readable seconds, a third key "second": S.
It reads {"hour": 11, "minute": 34}
